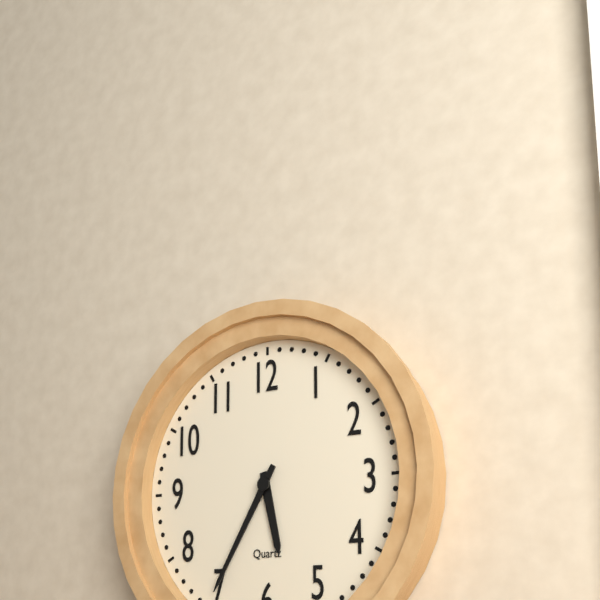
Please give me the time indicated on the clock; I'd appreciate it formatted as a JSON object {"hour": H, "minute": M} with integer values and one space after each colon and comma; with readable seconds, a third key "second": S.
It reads {"hour": 5, "minute": 35}
